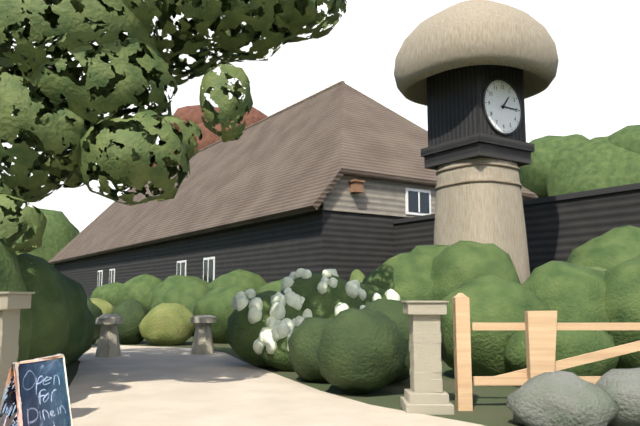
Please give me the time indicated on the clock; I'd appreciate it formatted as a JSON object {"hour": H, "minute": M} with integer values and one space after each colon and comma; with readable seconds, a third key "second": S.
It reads {"hour": 1, "minute": 15}
